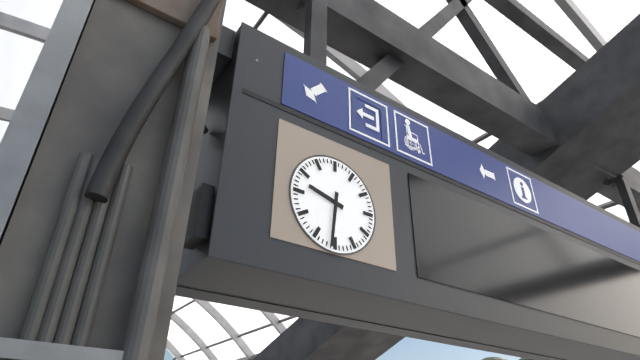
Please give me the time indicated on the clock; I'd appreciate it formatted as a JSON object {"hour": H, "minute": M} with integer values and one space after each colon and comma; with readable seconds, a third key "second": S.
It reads {"hour": 9, "minute": 31}
